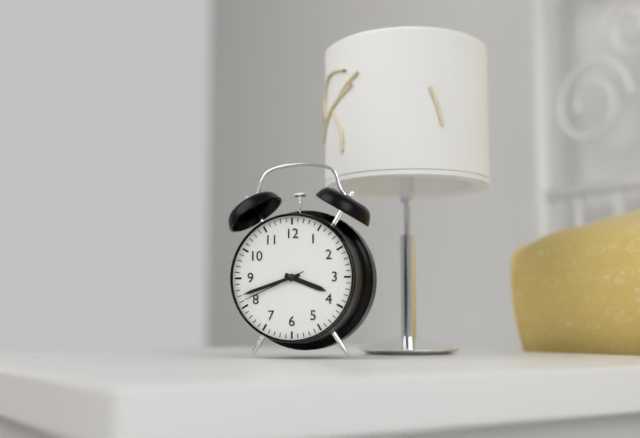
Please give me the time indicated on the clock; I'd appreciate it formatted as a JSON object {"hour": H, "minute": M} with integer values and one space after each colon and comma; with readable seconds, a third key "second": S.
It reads {"hour": 3, "minute": 42, "second": 41}
